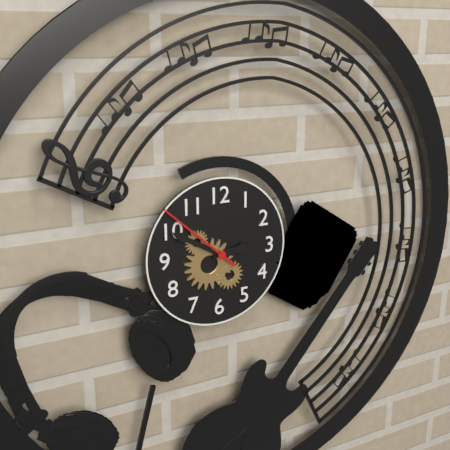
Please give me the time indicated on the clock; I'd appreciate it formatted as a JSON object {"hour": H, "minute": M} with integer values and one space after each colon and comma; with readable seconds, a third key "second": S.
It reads {"hour": 2, "minute": 50, "second": 52}
